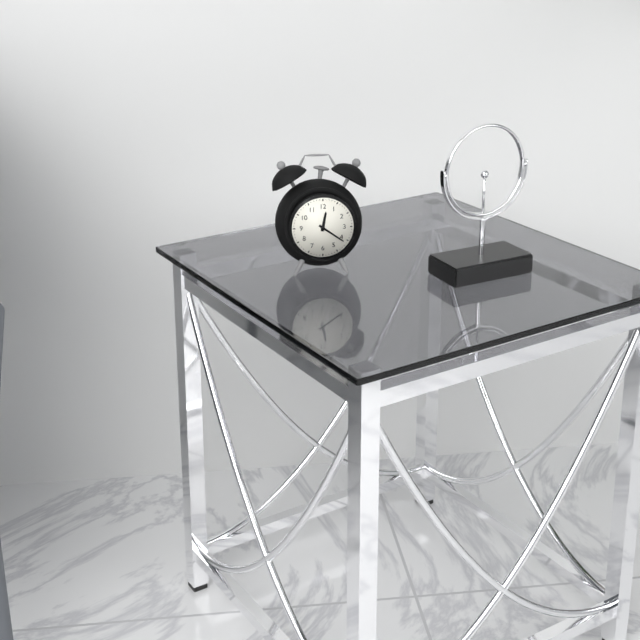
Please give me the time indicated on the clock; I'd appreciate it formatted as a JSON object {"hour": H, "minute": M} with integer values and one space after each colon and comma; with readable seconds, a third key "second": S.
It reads {"hour": 12, "minute": 21}
